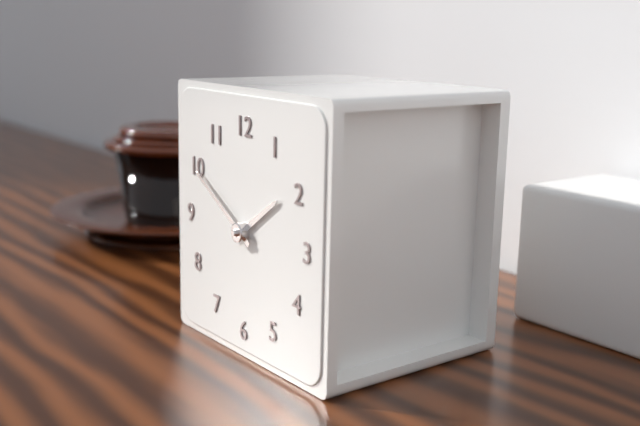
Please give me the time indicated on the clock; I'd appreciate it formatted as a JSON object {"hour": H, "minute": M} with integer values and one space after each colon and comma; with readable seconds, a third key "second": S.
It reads {"hour": 1, "minute": 50}
